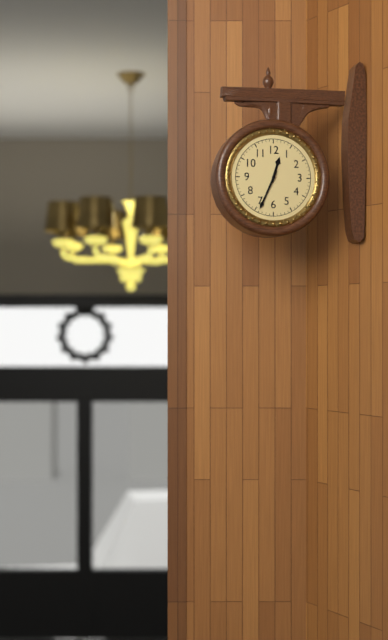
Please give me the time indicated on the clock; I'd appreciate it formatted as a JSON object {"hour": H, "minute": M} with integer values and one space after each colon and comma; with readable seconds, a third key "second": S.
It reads {"hour": 12, "minute": 34}
